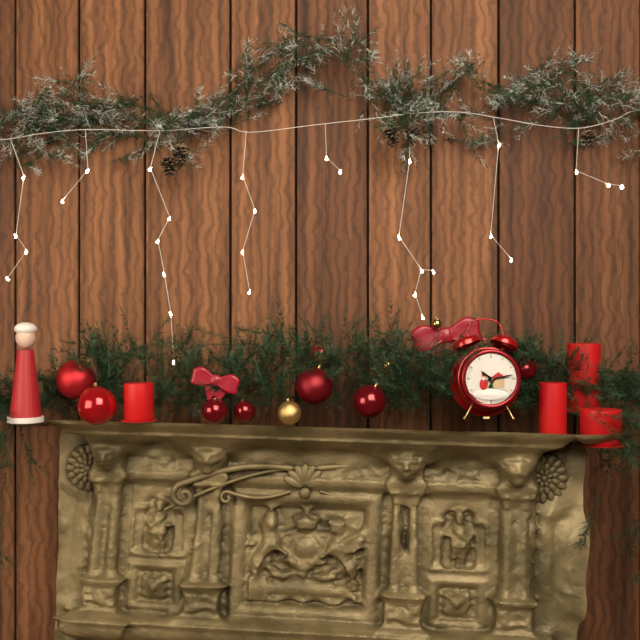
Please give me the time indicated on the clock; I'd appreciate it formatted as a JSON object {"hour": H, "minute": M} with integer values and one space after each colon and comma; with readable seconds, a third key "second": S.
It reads {"hour": 10, "minute": 13}
